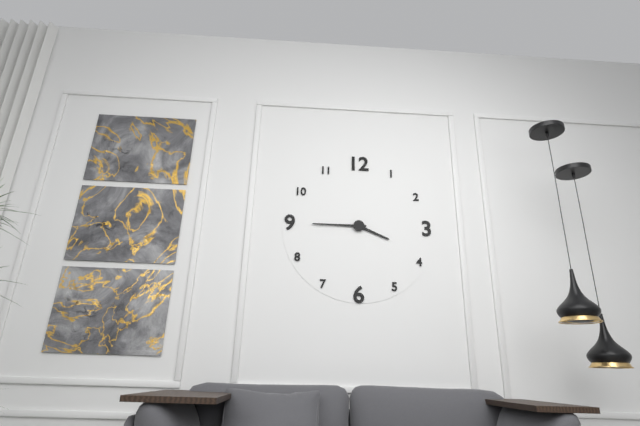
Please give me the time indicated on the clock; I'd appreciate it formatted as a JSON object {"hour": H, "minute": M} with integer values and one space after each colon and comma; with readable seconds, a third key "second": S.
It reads {"hour": 3, "minute": 45}
